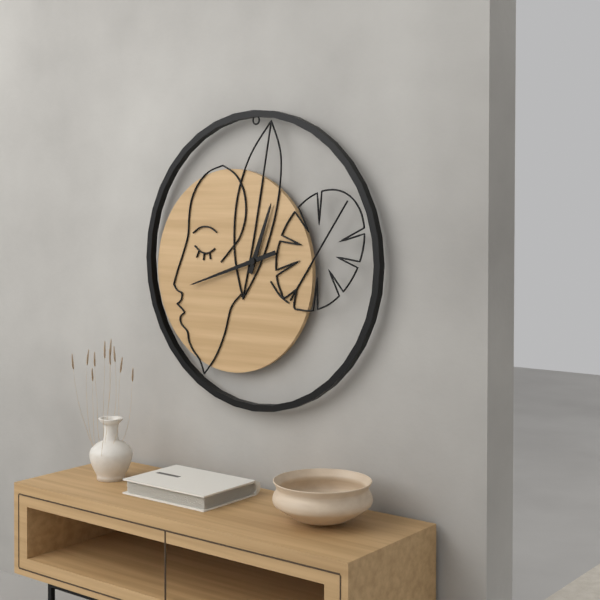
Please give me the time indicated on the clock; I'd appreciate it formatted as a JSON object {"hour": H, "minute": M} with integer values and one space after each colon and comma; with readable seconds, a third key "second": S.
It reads {"hour": 12, "minute": 42}
